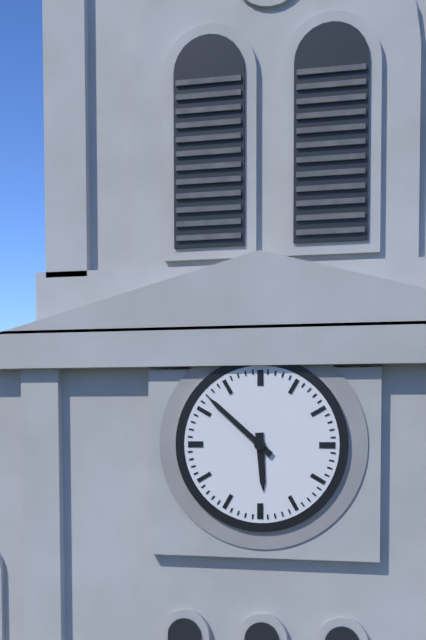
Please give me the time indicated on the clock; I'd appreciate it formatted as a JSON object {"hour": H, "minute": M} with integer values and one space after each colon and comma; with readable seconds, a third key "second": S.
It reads {"hour": 5, "minute": 52}
